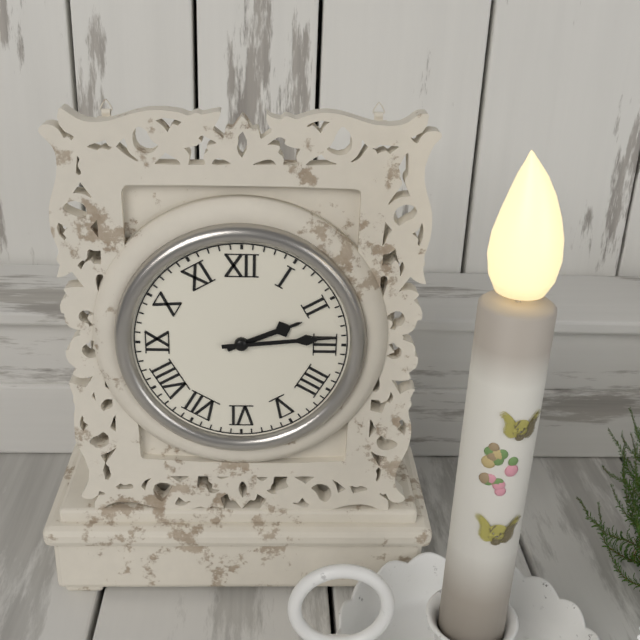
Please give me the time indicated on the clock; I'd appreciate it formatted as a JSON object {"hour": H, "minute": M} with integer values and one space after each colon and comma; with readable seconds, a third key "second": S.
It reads {"hour": 2, "minute": 14}
